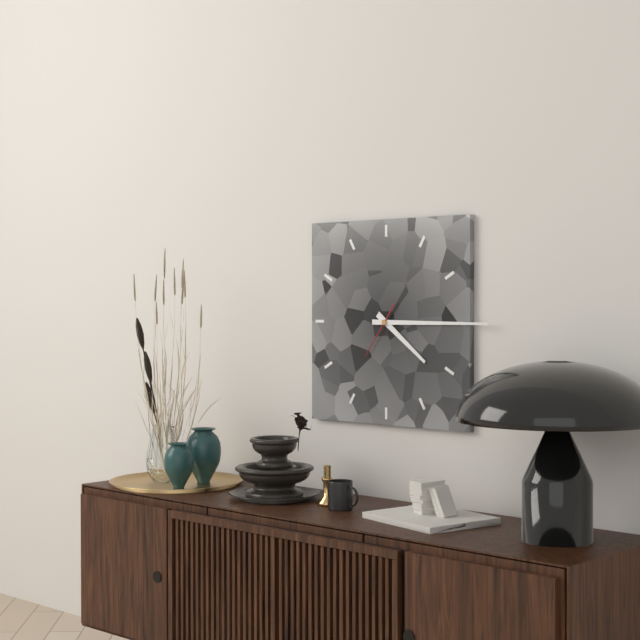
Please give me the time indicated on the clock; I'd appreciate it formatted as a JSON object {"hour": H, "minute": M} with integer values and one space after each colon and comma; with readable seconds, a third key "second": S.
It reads {"hour": 4, "minute": 15, "second": 36}
